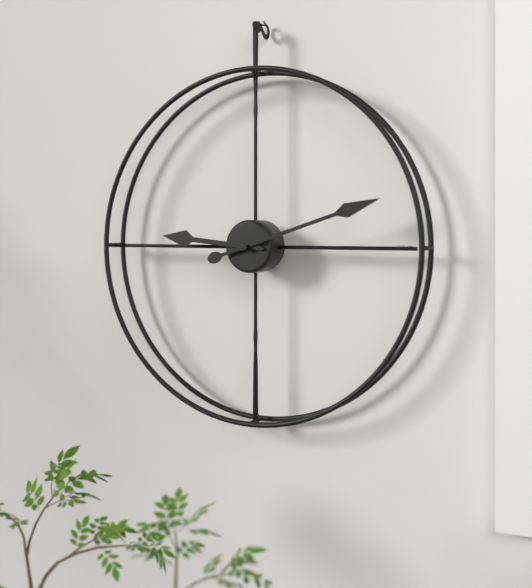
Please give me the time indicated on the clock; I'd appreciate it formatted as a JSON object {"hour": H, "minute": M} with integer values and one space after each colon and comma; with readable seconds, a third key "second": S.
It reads {"hour": 9, "minute": 12}
